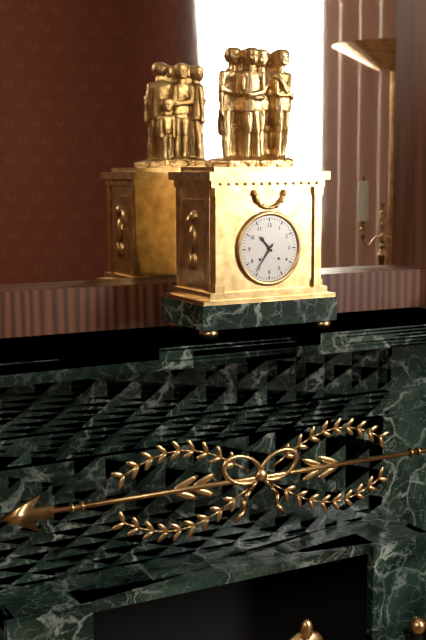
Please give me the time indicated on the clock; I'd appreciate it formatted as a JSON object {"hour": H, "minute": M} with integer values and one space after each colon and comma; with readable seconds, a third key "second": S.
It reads {"hour": 10, "minute": 36}
